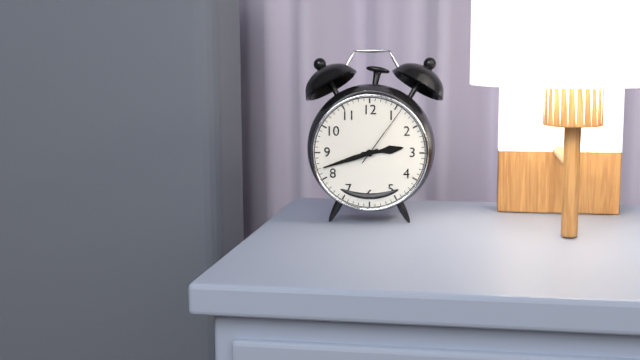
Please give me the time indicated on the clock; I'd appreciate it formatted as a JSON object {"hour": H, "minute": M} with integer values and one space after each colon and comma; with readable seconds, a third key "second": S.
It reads {"hour": 2, "minute": 42, "second": 6}
